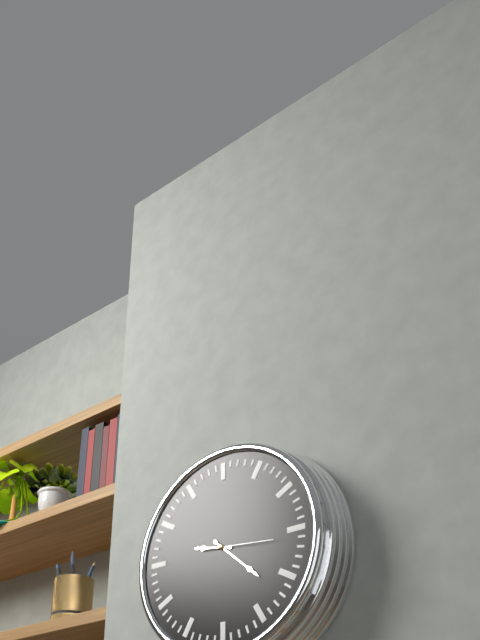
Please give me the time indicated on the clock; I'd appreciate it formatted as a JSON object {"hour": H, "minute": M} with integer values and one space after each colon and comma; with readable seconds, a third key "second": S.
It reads {"hour": 9, "minute": 22, "second": 16}
